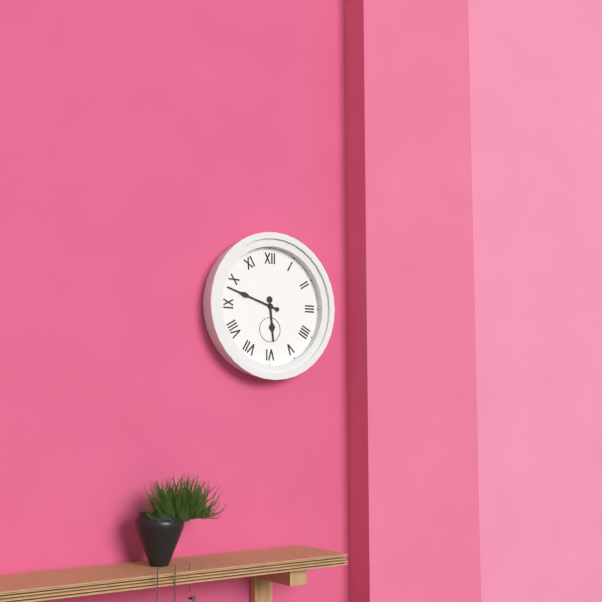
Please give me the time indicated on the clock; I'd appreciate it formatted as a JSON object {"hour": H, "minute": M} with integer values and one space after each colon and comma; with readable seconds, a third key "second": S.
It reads {"hour": 5, "minute": 48}
